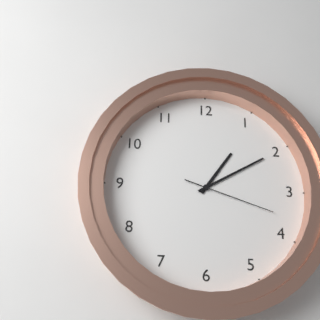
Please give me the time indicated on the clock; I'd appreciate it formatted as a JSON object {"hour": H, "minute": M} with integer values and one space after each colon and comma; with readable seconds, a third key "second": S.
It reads {"hour": 1, "minute": 10, "second": 18}
